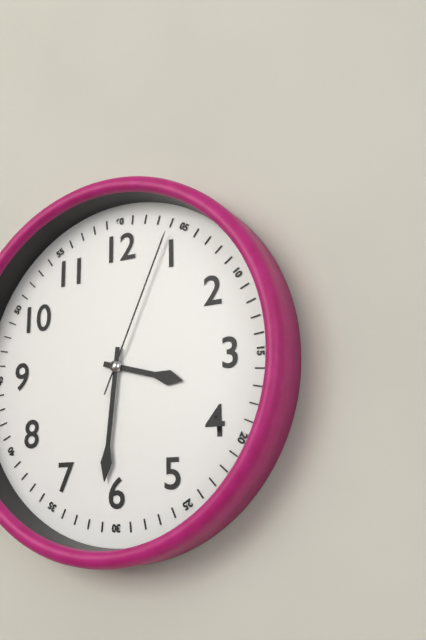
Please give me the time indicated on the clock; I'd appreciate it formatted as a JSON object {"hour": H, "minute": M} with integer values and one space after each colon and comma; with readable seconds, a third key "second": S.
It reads {"hour": 3, "minute": 31, "second": 4}
